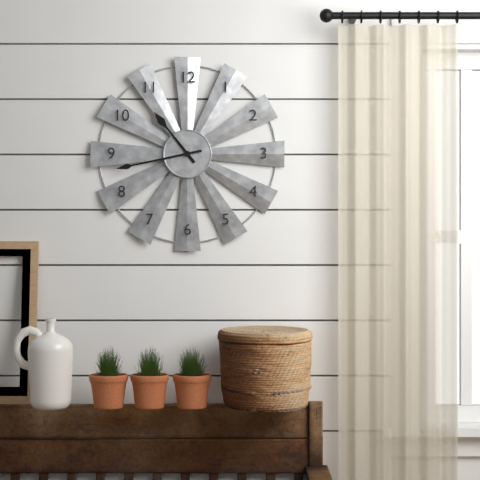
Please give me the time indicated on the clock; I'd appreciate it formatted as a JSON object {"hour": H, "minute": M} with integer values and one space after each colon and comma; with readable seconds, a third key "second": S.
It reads {"hour": 10, "minute": 43}
